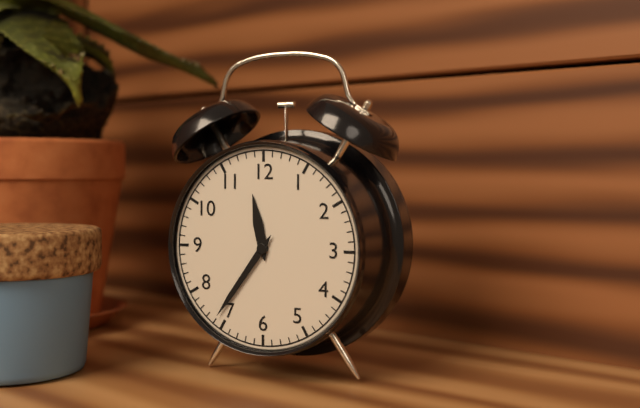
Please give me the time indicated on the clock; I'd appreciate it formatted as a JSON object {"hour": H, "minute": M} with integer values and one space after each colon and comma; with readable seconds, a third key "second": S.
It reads {"hour": 11, "minute": 36}
